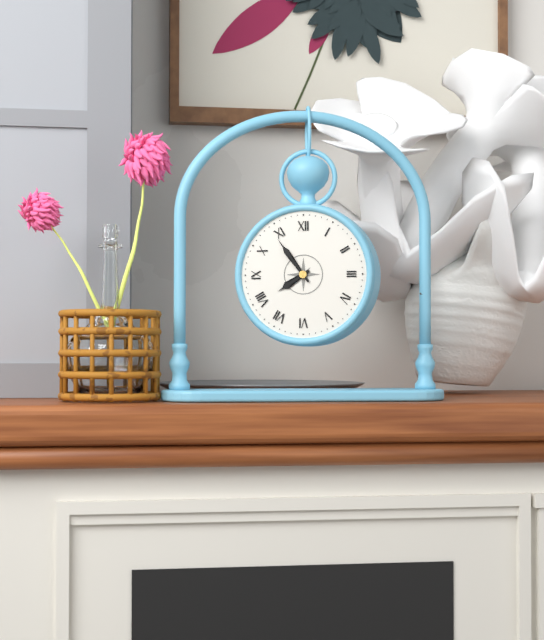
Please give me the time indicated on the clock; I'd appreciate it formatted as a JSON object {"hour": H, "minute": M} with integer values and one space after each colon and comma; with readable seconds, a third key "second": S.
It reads {"hour": 7, "minute": 54}
